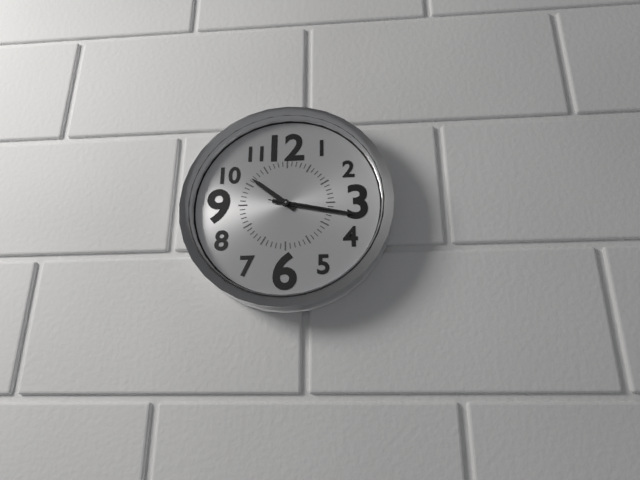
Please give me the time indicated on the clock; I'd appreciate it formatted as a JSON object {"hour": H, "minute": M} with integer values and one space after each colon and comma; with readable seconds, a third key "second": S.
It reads {"hour": 10, "minute": 17, "second": 17}
